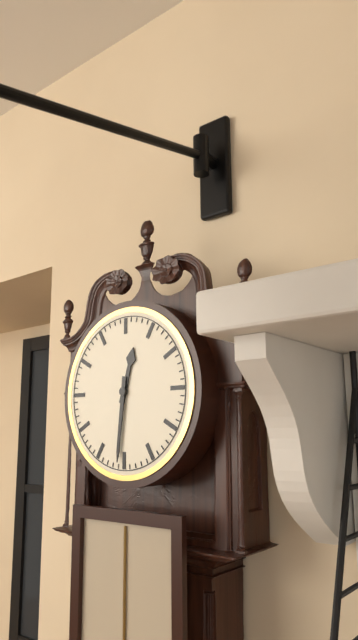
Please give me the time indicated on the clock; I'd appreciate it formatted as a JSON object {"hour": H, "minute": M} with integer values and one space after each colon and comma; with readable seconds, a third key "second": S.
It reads {"hour": 12, "minute": 31}
